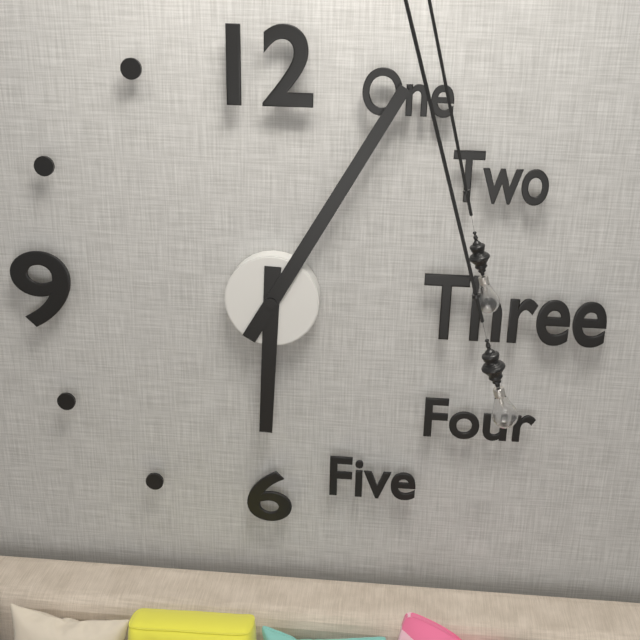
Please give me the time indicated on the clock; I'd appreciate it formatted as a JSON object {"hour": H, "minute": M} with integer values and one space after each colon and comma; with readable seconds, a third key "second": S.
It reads {"hour": 6, "minute": 5}
